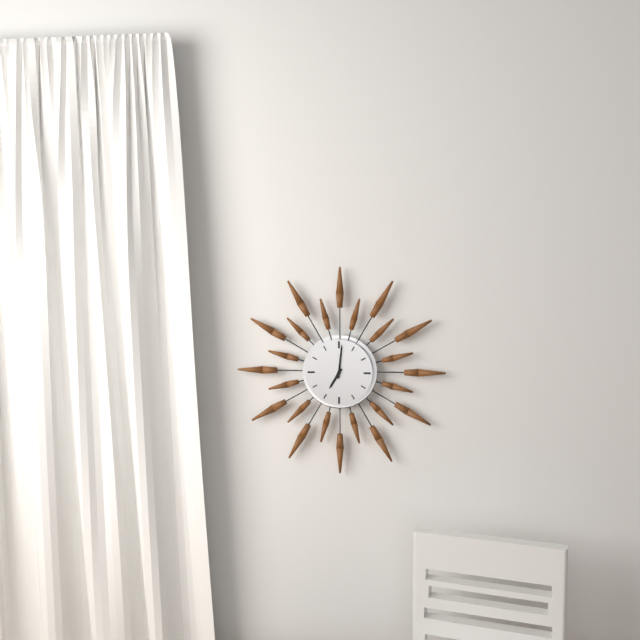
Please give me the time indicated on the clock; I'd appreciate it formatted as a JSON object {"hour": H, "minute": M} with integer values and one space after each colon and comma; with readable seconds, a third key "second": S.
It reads {"hour": 7, "minute": 1}
